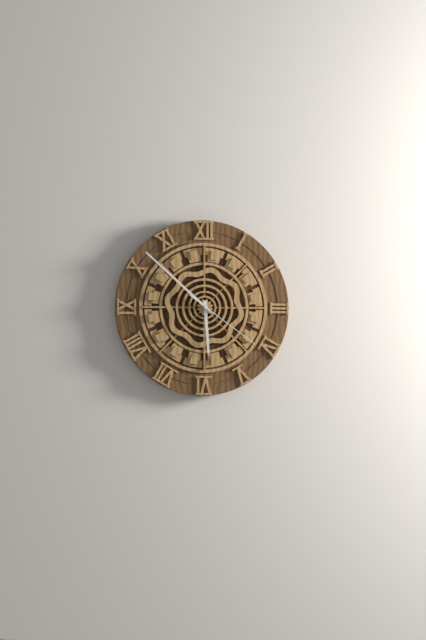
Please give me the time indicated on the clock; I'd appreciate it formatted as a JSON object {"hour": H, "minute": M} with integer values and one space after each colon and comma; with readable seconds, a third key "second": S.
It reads {"hour": 5, "minute": 52, "second": 21}
